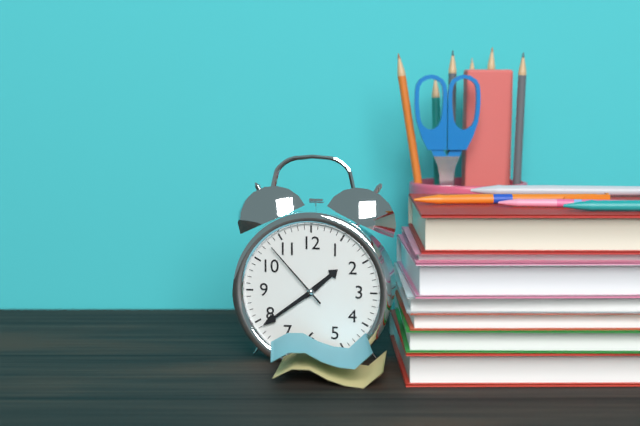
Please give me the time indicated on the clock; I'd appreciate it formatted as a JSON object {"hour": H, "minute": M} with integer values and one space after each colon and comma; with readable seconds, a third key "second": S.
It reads {"hour": 1, "minute": 39, "second": 53}
